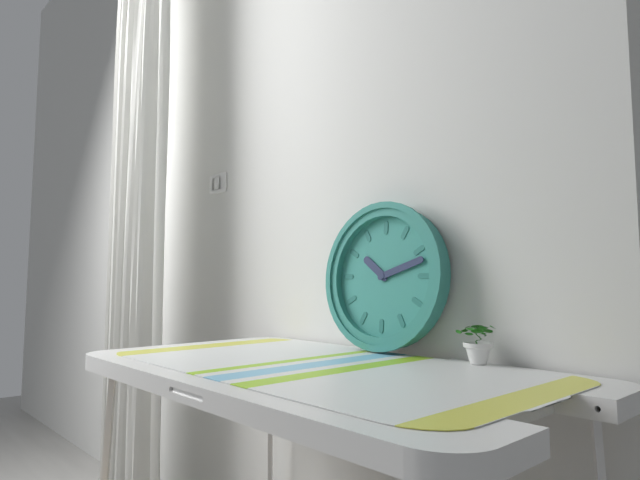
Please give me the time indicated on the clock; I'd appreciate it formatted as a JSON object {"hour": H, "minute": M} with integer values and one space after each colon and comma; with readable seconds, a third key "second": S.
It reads {"hour": 10, "minute": 12}
